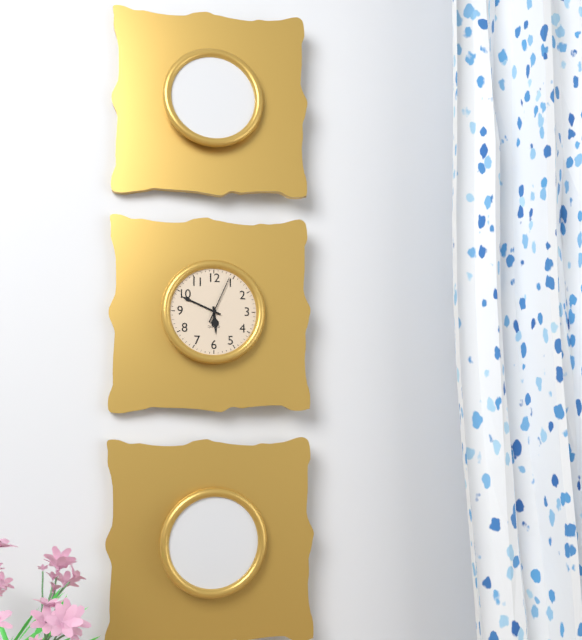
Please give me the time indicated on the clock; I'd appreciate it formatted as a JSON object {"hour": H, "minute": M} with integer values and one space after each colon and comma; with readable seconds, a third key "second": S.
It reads {"hour": 5, "minute": 49}
